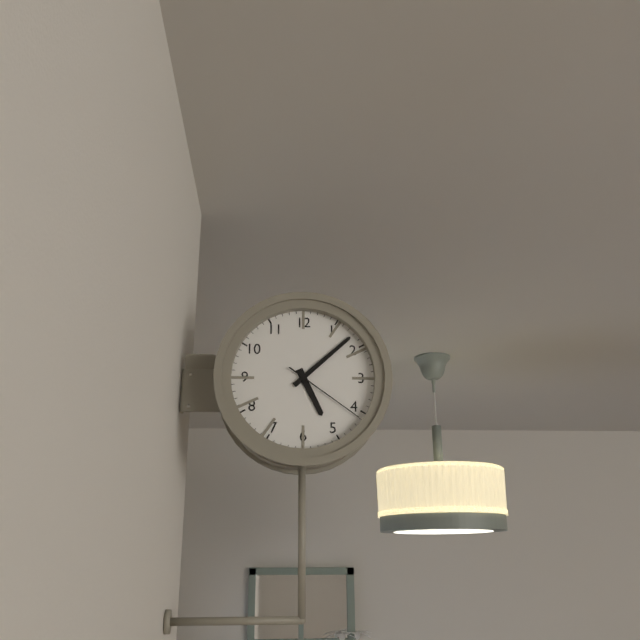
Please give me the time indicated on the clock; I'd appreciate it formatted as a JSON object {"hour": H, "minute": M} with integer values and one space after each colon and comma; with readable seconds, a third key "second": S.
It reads {"hour": 5, "minute": 8, "second": 21}
